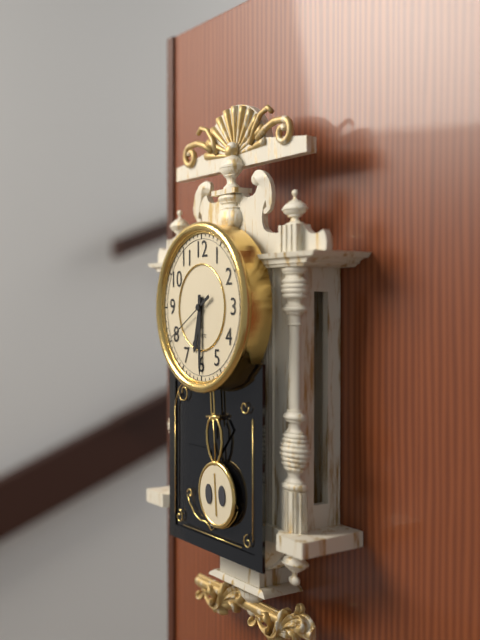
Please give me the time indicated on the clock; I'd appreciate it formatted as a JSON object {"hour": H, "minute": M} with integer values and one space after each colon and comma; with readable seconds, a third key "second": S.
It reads {"hour": 6, "minute": 30, "second": 40}
